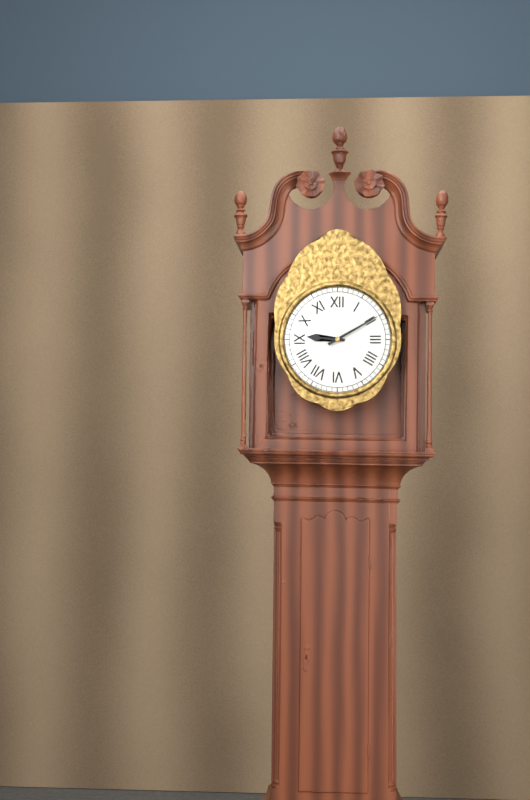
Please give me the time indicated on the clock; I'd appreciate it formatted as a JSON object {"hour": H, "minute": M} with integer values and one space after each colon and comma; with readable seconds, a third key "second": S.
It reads {"hour": 9, "minute": 10}
